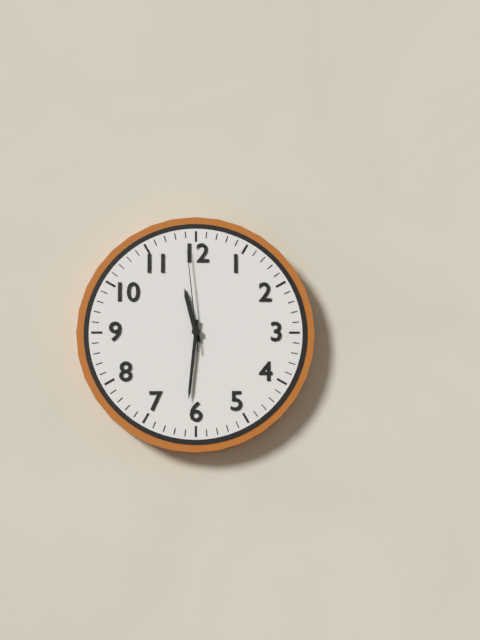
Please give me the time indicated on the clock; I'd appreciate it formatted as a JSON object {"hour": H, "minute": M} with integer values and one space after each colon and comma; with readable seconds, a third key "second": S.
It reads {"hour": 11, "minute": 31, "second": 59}
